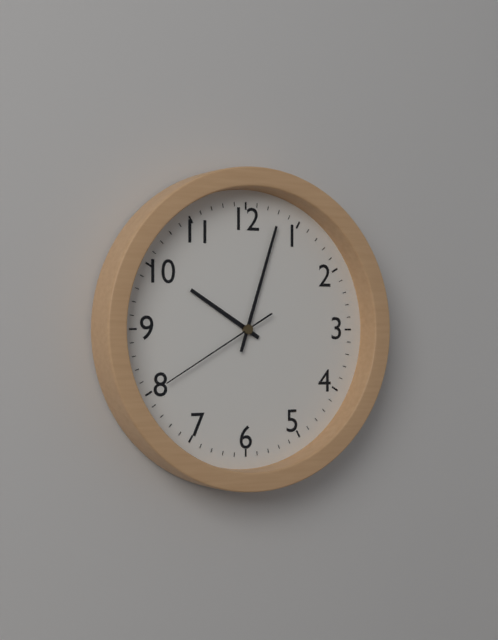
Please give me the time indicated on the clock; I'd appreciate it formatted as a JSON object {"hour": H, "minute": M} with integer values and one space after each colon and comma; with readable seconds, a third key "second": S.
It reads {"hour": 10, "minute": 3, "second": 40}
